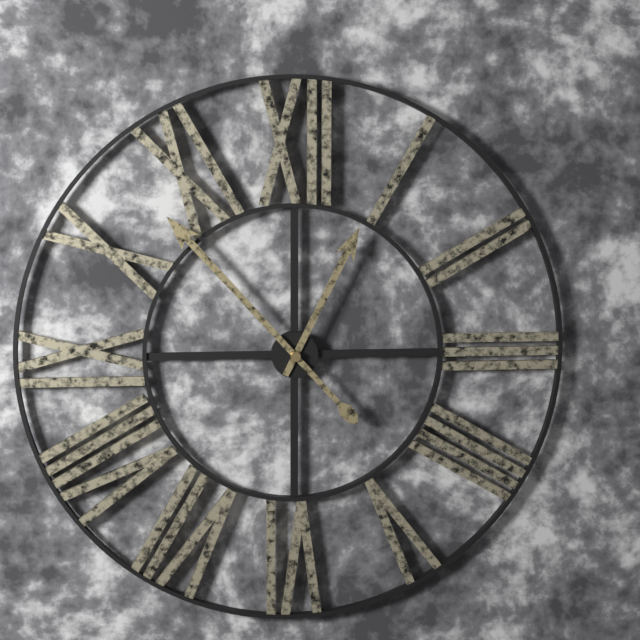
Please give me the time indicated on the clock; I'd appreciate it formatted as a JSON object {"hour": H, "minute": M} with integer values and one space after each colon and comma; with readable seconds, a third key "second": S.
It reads {"hour": 12, "minute": 53}
